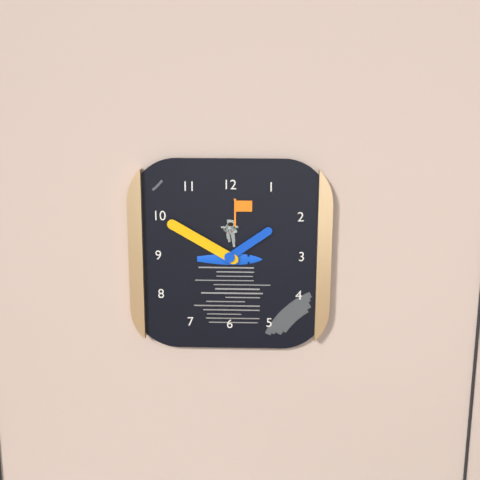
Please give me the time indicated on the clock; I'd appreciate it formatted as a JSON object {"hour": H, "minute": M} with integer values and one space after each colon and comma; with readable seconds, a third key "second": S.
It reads {"hour": 1, "minute": 50}
